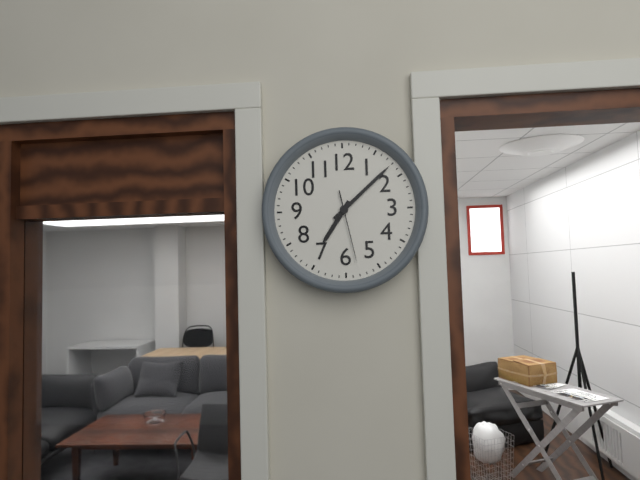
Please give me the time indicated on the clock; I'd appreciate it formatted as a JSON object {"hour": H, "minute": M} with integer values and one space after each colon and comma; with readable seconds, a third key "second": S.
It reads {"hour": 7, "minute": 8, "second": 28}
